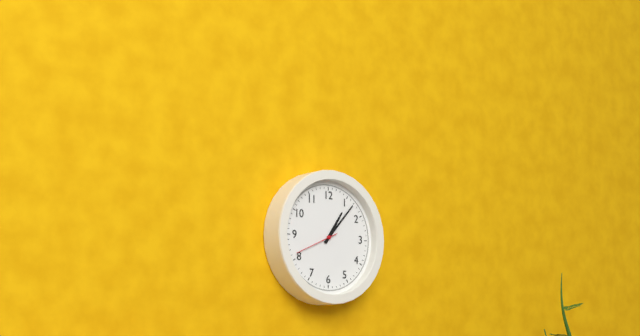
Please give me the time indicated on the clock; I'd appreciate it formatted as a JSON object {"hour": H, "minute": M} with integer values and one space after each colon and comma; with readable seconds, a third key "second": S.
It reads {"hour": 1, "minute": 7}
